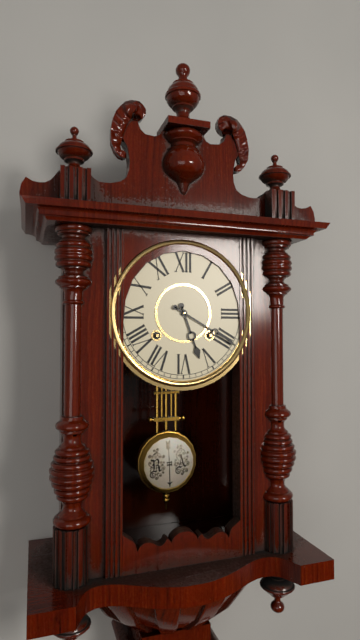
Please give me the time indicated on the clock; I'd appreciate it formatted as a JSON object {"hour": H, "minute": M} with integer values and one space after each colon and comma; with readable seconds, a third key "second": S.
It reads {"hour": 5, "minute": 20}
